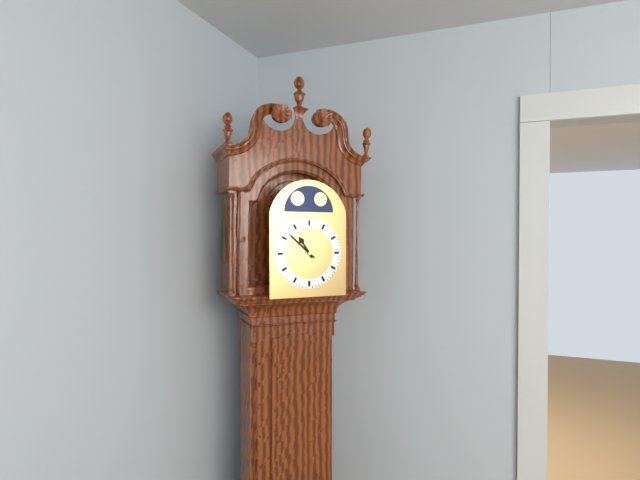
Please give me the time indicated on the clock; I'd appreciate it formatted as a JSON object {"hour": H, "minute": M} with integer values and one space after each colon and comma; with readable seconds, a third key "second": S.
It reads {"hour": 10, "minute": 52}
